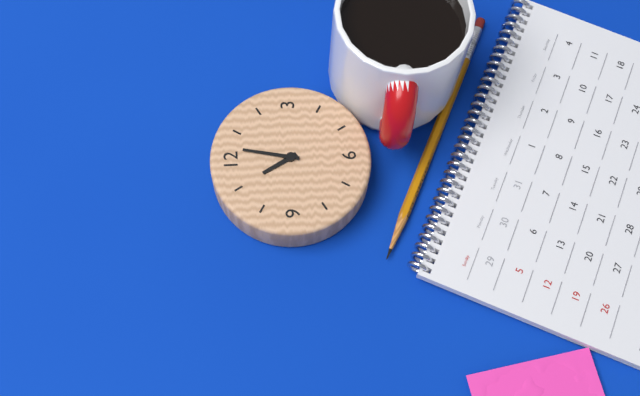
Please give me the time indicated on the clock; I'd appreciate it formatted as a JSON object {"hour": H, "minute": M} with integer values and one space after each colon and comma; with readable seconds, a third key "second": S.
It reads {"hour": 11, "minute": 2}
